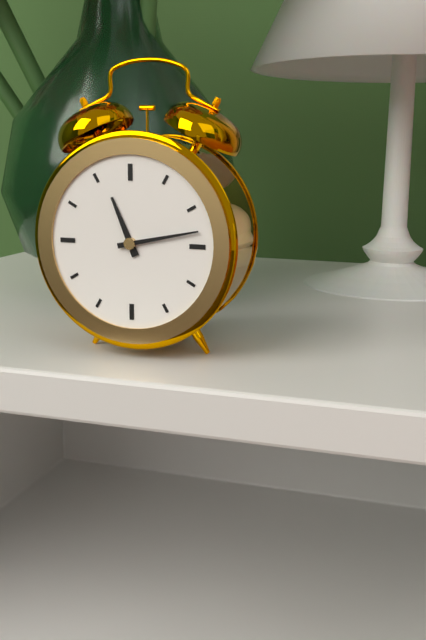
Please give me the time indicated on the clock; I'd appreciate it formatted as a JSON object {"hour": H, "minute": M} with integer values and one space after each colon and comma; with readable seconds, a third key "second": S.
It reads {"hour": 11, "minute": 13}
